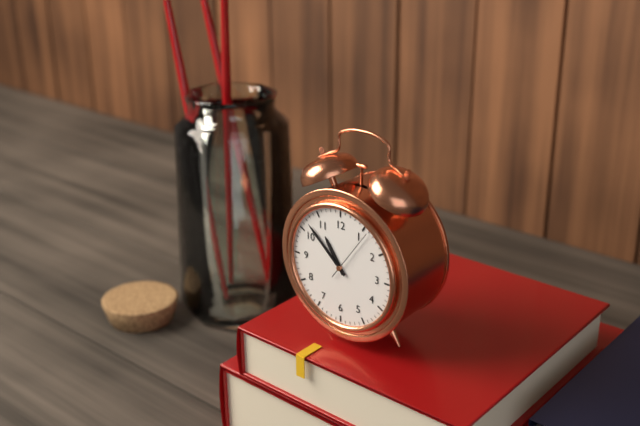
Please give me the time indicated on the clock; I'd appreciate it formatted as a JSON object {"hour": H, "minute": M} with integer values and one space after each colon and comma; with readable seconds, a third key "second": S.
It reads {"hour": 10, "minute": 52, "second": 6}
